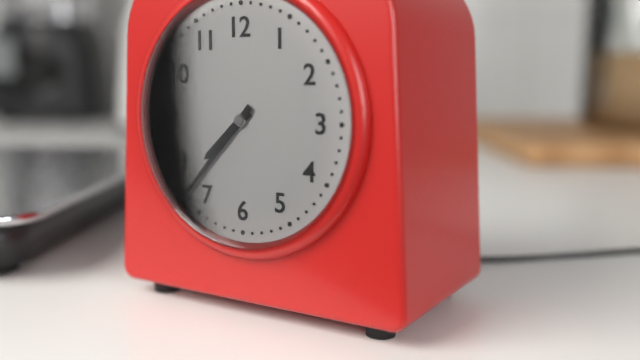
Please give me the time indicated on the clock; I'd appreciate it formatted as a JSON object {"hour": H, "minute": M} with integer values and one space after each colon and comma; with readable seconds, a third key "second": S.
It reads {"hour": 7, "minute": 37}
